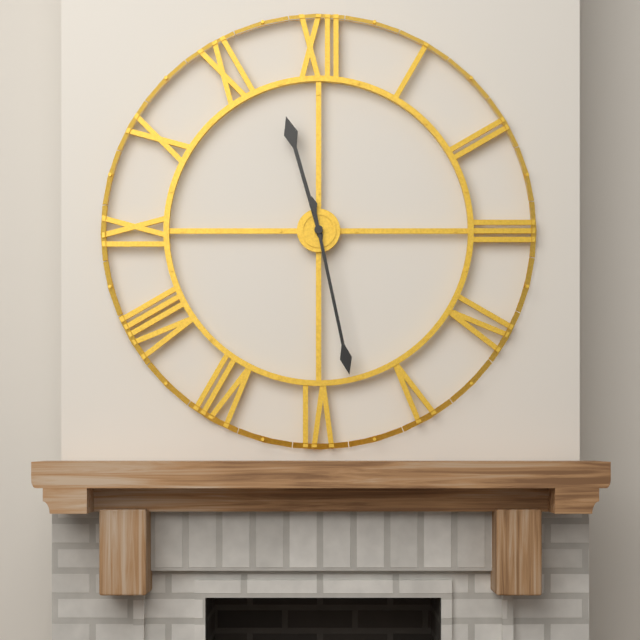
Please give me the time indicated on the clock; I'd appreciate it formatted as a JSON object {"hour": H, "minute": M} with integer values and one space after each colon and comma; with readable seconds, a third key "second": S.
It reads {"hour": 11, "minute": 28}
